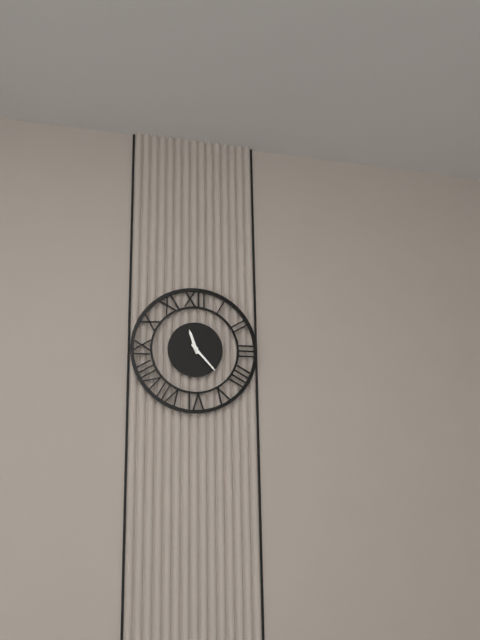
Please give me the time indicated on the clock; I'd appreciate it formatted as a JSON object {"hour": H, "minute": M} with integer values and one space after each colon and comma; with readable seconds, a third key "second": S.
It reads {"hour": 11, "minute": 23}
